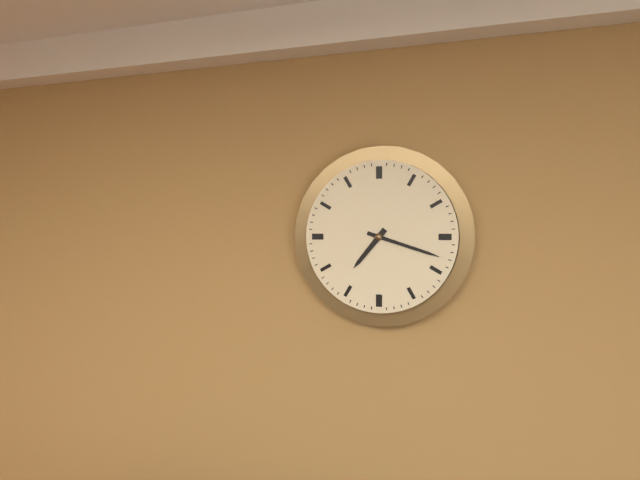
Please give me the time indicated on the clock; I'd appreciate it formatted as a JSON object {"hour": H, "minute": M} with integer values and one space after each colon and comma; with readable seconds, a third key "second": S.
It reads {"hour": 7, "minute": 18}
